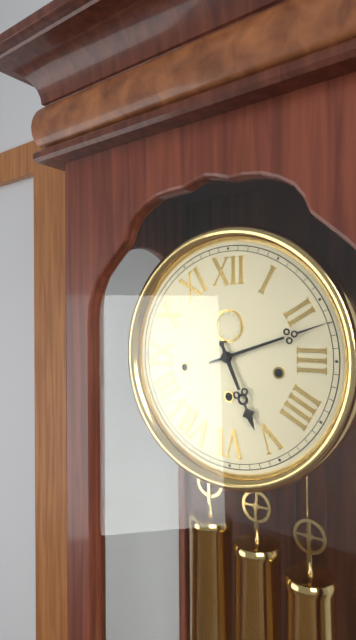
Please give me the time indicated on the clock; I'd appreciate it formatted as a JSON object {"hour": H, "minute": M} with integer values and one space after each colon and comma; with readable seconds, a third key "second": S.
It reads {"hour": 5, "minute": 12}
